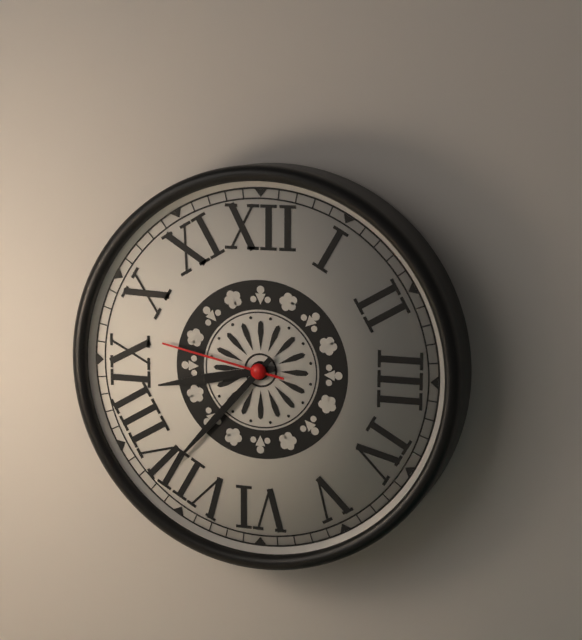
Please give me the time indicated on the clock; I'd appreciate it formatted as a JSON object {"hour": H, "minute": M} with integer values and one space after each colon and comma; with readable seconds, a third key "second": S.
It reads {"hour": 8, "minute": 37, "second": 47}
